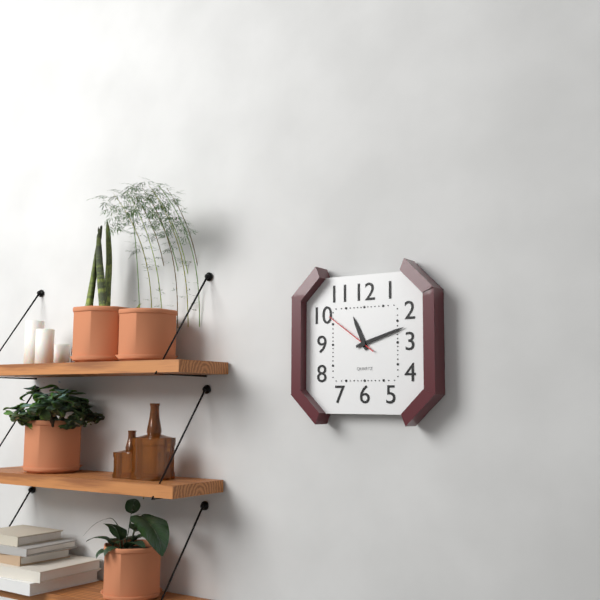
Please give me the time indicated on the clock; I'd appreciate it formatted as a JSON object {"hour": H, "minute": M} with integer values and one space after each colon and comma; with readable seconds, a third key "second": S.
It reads {"hour": 11, "minute": 12, "second": 51}
